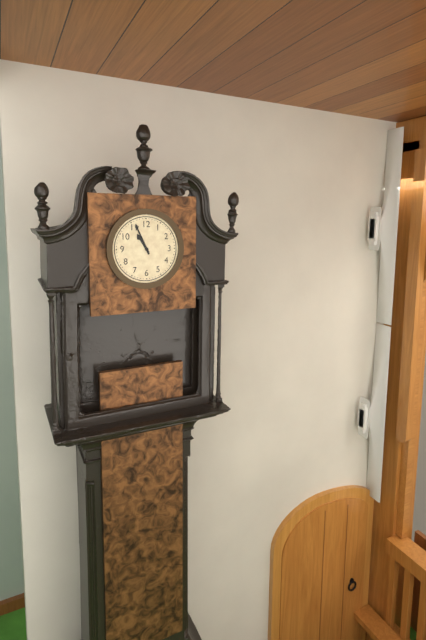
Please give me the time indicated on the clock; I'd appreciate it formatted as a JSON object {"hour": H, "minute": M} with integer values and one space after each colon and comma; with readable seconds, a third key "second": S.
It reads {"hour": 10, "minute": 56}
